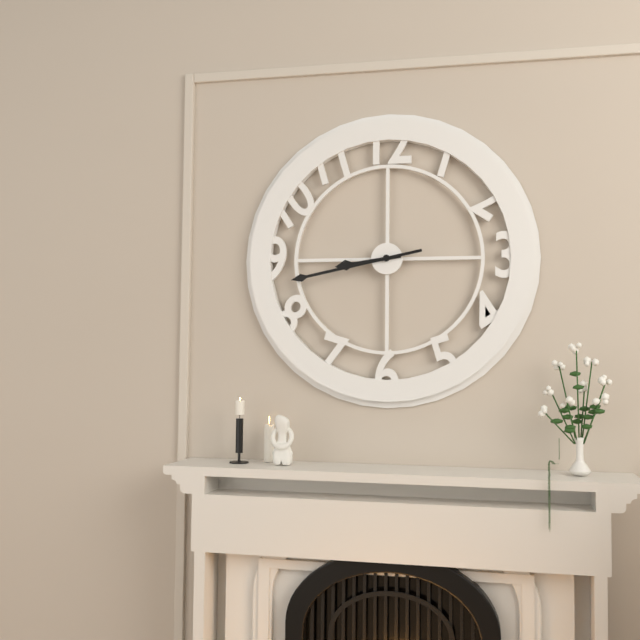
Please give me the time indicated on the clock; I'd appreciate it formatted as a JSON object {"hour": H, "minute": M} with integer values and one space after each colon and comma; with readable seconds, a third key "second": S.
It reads {"hour": 8, "minute": 43}
